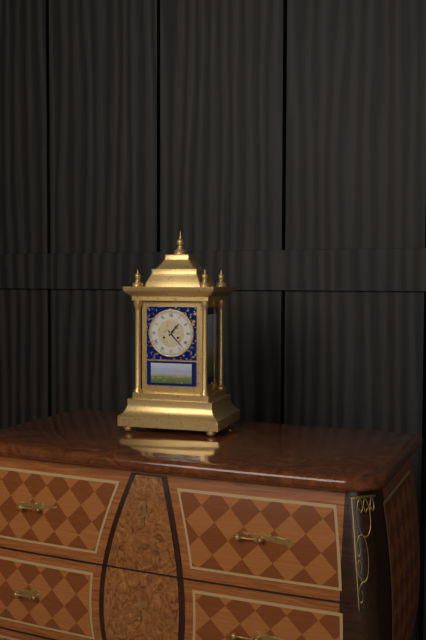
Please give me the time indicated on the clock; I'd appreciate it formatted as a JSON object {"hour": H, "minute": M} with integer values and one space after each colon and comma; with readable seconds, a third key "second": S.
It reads {"hour": 1, "minute": 23}
